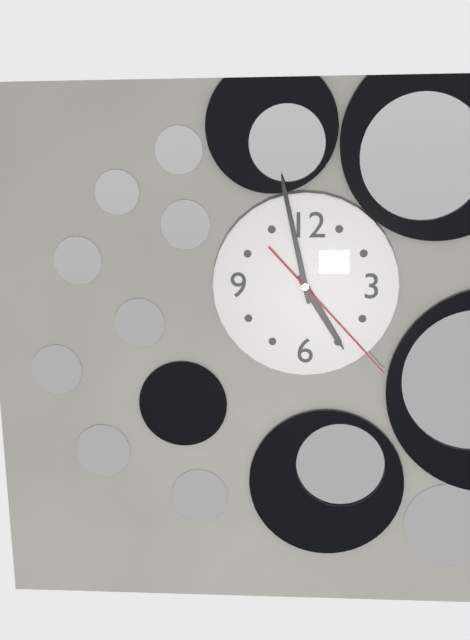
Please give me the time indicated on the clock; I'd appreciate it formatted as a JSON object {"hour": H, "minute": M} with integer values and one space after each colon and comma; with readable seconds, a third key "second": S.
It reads {"hour": 4, "minute": 58, "second": 23}
